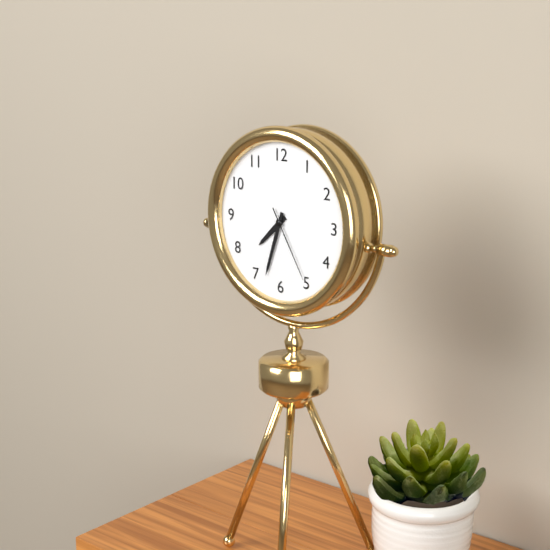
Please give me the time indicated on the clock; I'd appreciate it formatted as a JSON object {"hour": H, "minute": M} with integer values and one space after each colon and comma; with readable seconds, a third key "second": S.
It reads {"hour": 7, "minute": 33, "second": 25}
